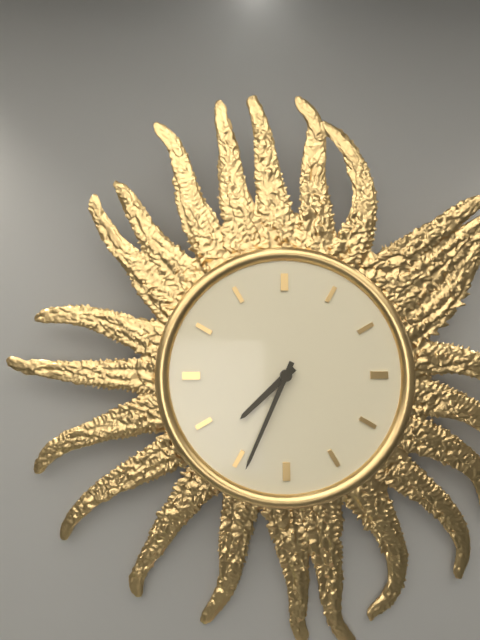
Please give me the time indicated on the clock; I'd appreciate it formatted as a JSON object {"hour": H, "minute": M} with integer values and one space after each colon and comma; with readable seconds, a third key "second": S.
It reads {"hour": 7, "minute": 34}
